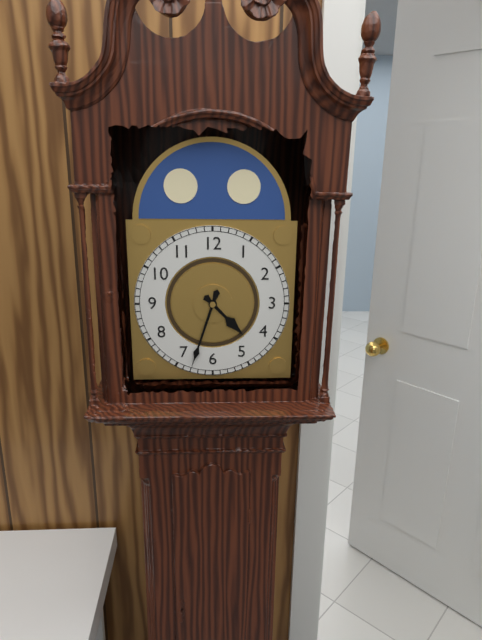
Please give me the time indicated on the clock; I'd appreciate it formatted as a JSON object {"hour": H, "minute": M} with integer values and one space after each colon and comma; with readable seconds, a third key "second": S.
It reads {"hour": 4, "minute": 33}
